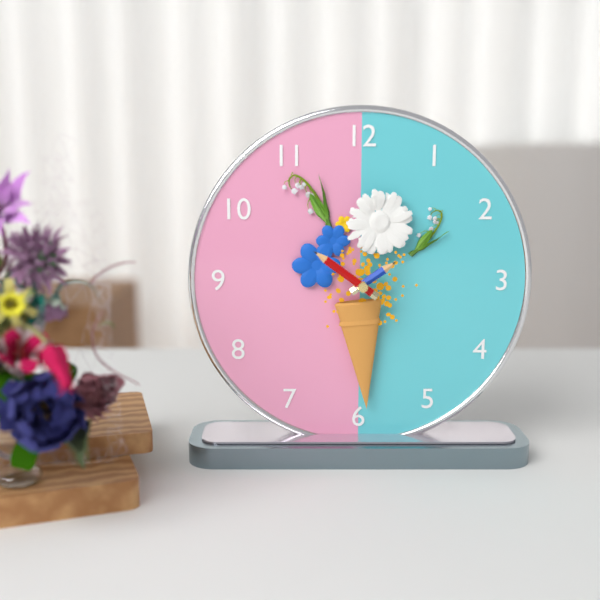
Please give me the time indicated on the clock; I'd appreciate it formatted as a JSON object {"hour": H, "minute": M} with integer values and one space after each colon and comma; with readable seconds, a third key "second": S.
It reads {"hour": 1, "minute": 51}
